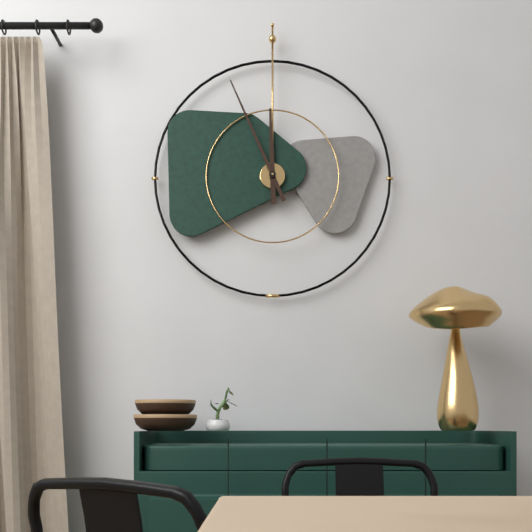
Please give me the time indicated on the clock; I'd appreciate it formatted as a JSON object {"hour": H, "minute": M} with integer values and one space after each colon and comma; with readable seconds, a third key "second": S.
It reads {"hour": 11, "minute": 56}
